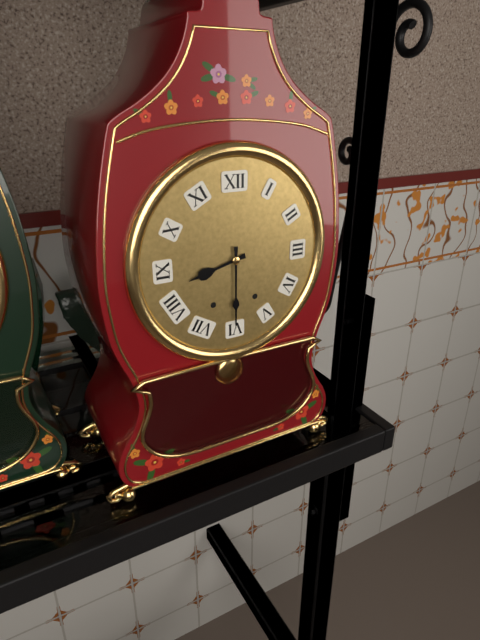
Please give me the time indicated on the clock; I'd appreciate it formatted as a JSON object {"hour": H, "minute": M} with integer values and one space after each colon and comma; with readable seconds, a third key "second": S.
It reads {"hour": 8, "minute": 30}
